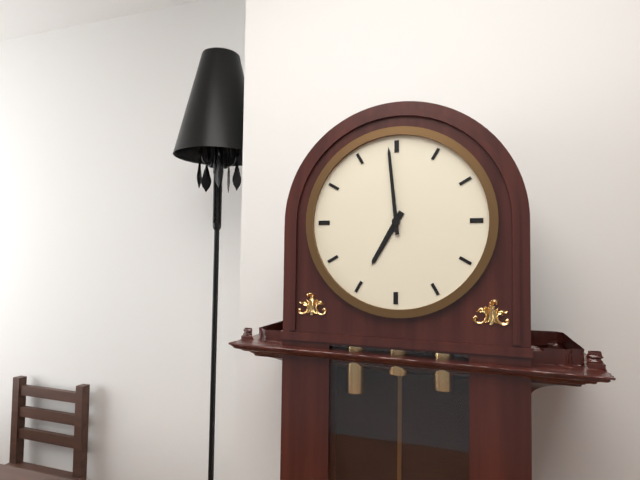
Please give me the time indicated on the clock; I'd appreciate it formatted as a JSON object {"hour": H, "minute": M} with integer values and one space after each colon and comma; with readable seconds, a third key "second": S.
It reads {"hour": 6, "minute": 59}
